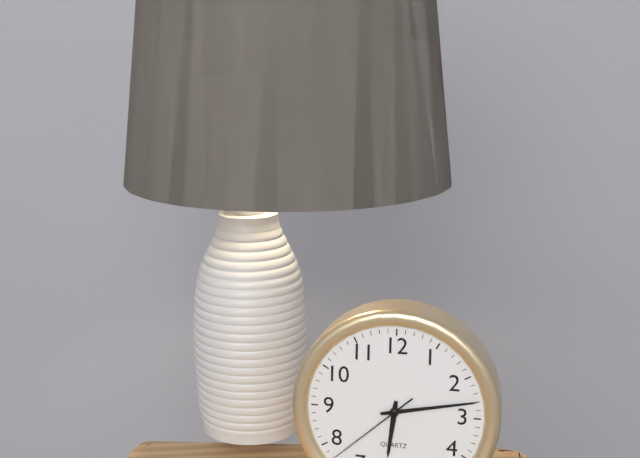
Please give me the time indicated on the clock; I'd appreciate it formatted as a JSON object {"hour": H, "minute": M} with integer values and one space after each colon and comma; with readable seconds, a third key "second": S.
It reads {"hour": 6, "minute": 13, "second": 38}
